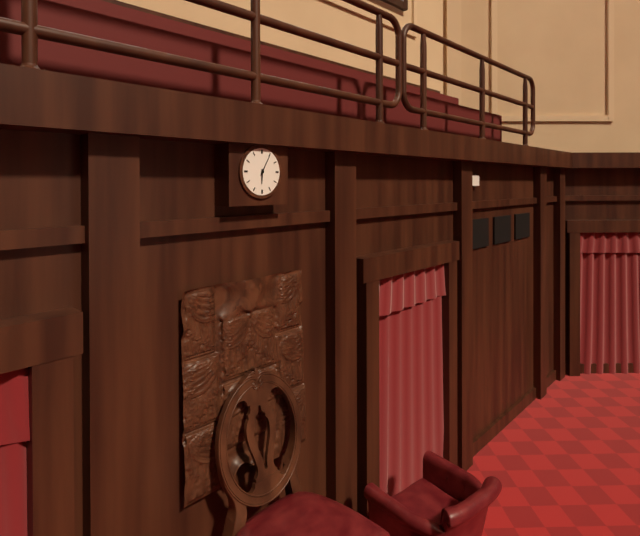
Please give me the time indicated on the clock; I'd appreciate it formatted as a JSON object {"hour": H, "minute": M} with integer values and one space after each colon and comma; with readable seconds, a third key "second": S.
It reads {"hour": 6, "minute": 5}
